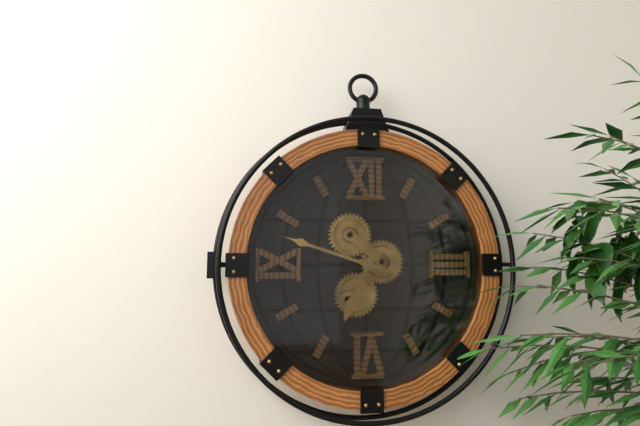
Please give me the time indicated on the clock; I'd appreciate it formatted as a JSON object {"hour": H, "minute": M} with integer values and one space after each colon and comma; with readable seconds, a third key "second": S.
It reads {"hour": 6, "minute": 48}
